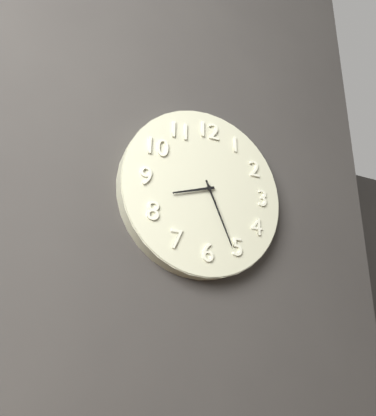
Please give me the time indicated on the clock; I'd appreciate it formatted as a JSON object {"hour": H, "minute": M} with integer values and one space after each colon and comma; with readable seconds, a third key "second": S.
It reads {"hour": 8, "minute": 26}
